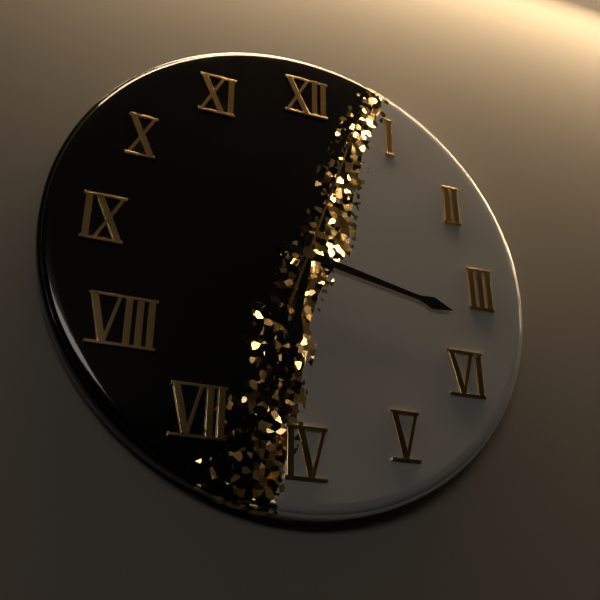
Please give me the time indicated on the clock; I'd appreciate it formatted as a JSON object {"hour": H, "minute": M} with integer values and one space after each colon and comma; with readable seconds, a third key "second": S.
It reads {"hour": 6, "minute": 17, "second": 3}
